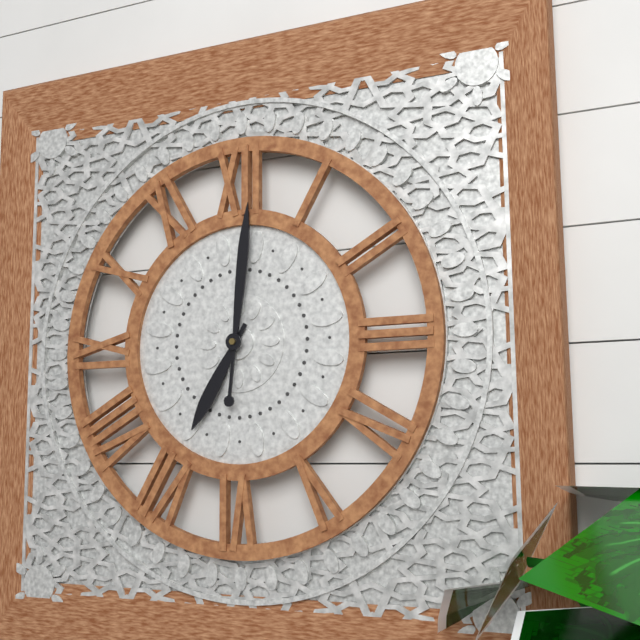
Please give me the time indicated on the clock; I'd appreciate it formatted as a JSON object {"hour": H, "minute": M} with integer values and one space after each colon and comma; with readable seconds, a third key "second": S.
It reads {"hour": 7, "minute": 1}
